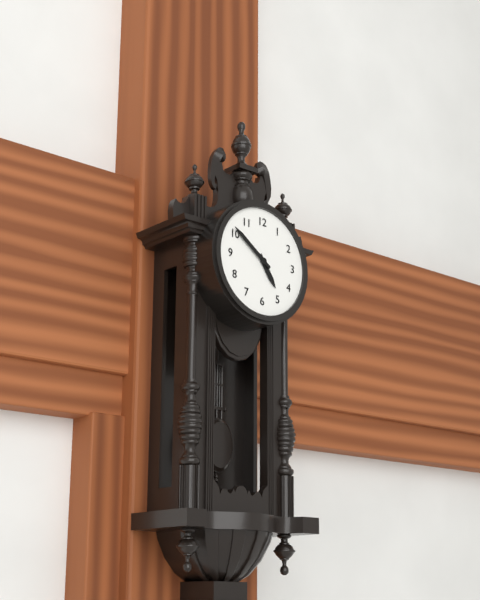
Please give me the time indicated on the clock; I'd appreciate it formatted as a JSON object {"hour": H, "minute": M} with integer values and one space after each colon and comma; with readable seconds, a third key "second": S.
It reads {"hour": 4, "minute": 51}
